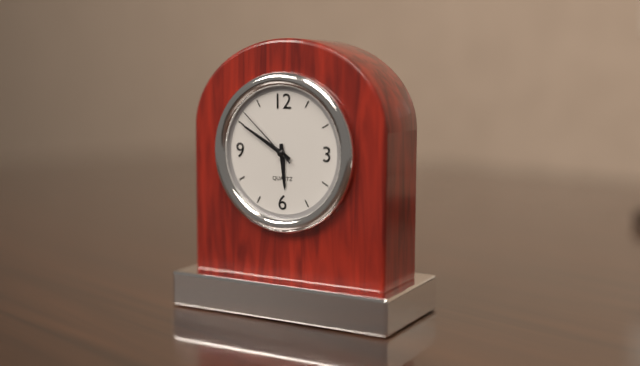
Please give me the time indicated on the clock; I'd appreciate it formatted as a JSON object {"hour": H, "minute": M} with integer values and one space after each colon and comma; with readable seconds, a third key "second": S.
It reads {"hour": 5, "minute": 50, "second": 52}
